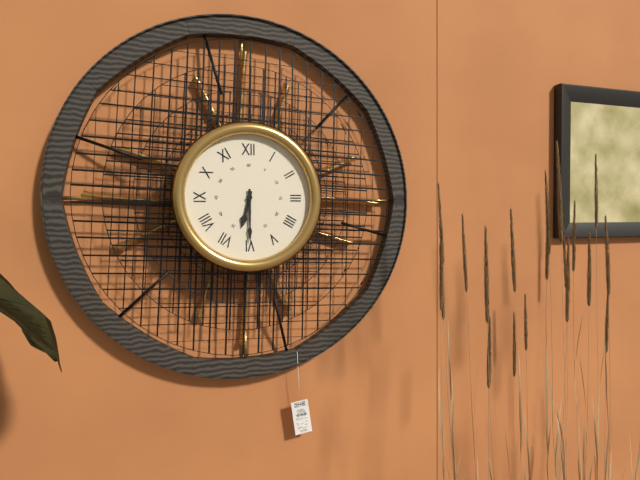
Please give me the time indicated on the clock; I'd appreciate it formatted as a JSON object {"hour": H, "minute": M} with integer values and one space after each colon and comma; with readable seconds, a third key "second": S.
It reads {"hour": 6, "minute": 30}
